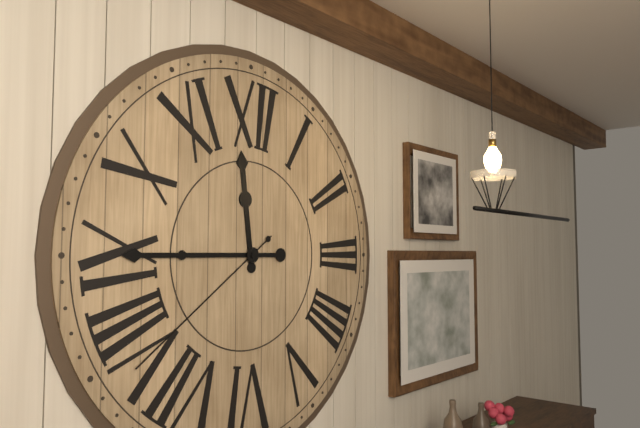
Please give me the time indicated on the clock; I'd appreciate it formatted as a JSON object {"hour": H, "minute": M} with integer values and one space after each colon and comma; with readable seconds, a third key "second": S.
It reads {"hour": 11, "minute": 45, "second": 39}
